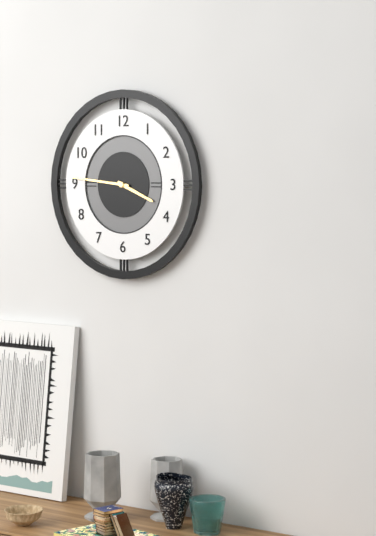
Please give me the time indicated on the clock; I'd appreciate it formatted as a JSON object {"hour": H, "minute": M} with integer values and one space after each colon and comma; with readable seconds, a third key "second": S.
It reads {"hour": 3, "minute": 46}
